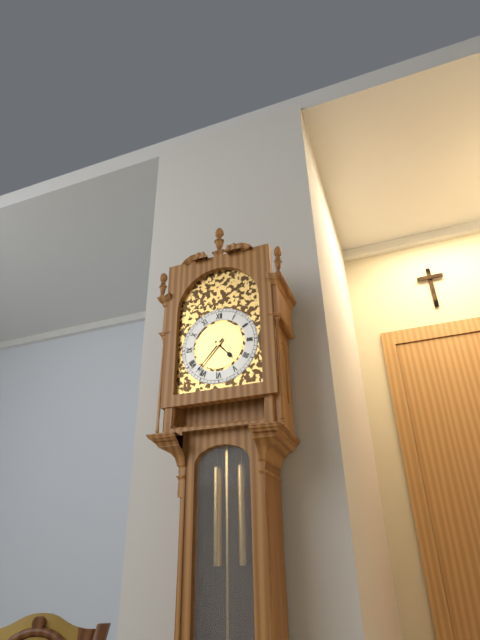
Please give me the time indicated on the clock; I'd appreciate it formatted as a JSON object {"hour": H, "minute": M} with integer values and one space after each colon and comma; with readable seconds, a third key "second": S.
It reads {"hour": 4, "minute": 37}
